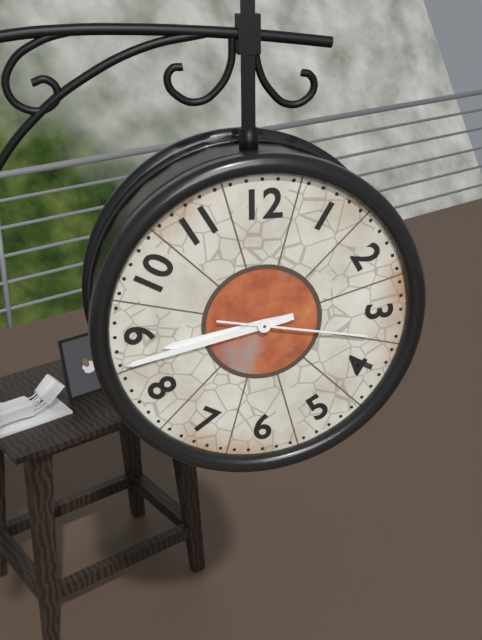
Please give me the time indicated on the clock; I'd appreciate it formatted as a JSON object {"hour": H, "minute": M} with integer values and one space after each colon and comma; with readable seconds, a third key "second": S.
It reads {"hour": 8, "minute": 43, "second": 17}
